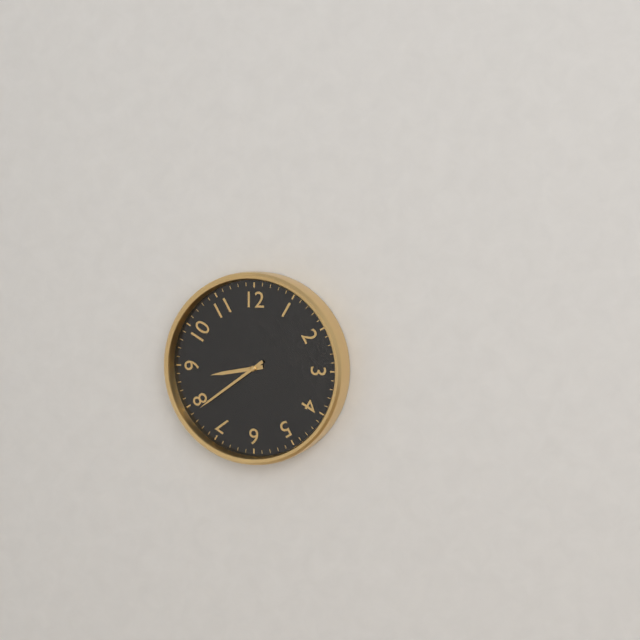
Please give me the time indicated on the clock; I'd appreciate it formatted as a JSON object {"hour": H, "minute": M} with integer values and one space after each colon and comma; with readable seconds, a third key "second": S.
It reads {"hour": 8, "minute": 39}
